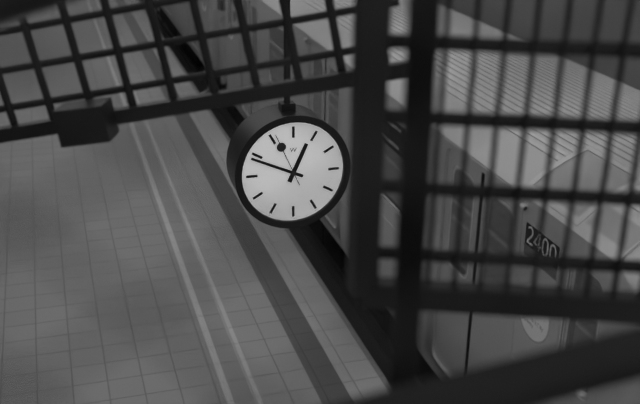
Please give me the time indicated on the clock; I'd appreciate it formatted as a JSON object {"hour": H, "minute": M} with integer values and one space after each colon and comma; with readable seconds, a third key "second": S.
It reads {"hour": 12, "minute": 49}
